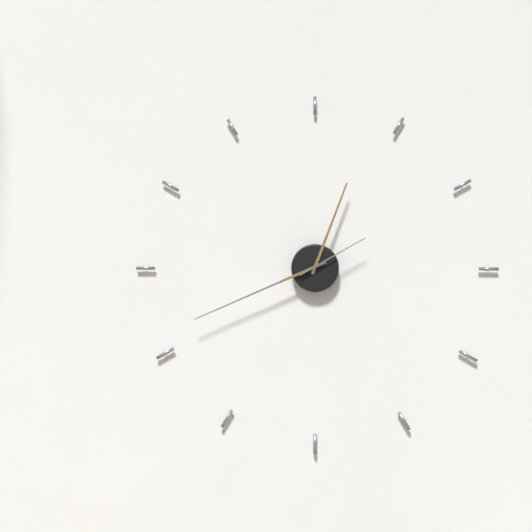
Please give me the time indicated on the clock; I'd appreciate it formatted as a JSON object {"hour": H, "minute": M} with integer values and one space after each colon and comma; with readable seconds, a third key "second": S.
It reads {"hour": 12, "minute": 41, "second": 10}
